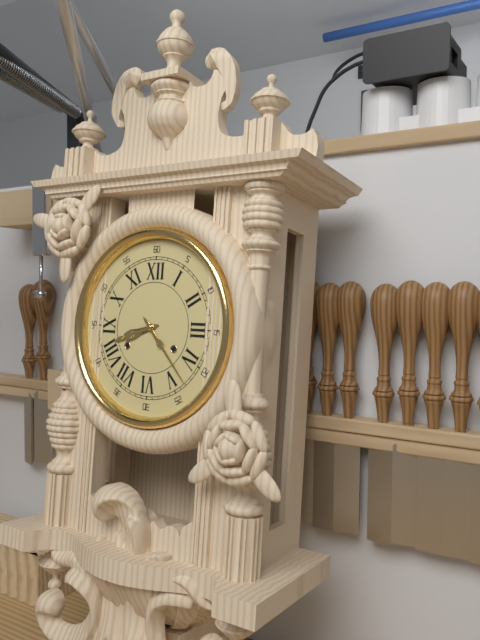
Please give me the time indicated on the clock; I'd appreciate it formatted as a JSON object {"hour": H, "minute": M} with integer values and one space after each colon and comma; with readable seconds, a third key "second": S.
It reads {"hour": 8, "minute": 23}
